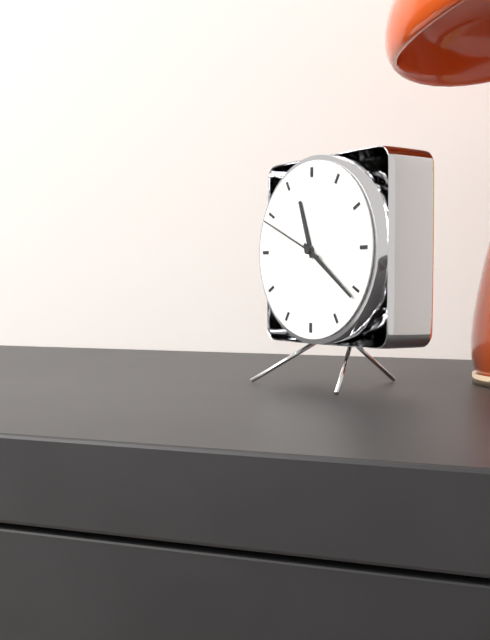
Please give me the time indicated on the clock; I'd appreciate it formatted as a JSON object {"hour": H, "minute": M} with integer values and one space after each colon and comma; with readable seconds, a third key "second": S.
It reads {"hour": 11, "minute": 21, "second": 49}
